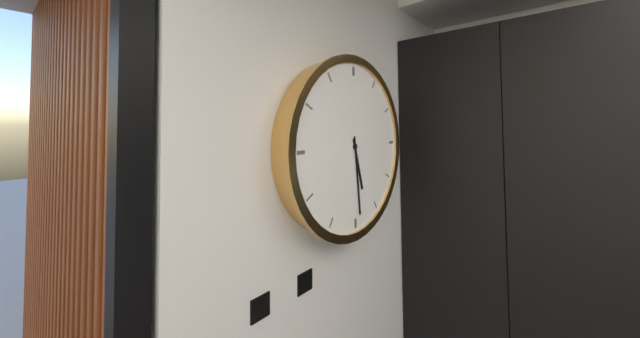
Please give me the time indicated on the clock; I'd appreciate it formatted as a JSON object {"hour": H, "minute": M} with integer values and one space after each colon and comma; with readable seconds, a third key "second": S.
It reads {"hour": 5, "minute": 29}
